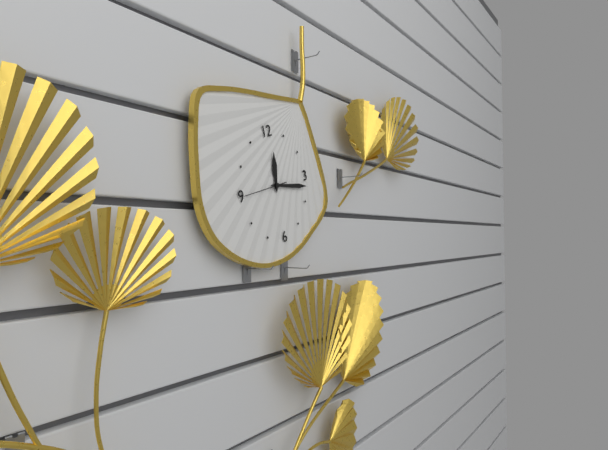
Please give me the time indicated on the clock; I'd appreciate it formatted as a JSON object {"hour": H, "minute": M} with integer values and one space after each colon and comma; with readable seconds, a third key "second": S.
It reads {"hour": 12, "minute": 17}
